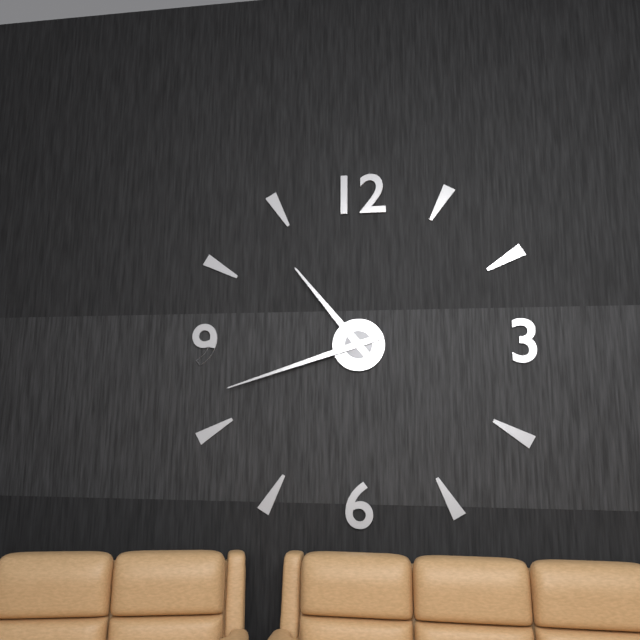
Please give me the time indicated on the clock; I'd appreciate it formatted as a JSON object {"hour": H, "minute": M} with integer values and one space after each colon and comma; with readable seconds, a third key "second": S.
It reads {"hour": 10, "minute": 42}
